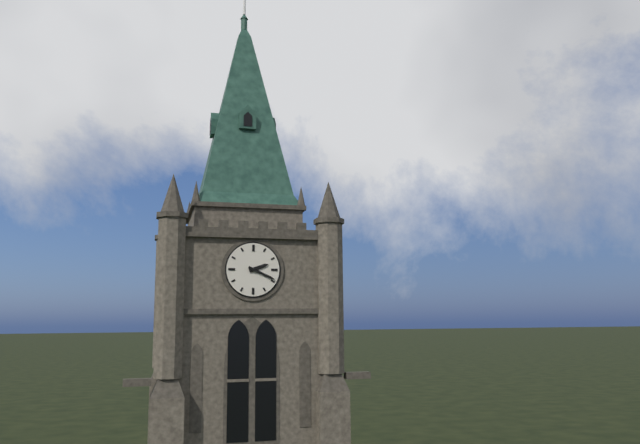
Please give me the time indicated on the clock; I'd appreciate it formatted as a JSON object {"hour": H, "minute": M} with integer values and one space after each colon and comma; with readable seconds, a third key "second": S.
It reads {"hour": 2, "minute": 19}
